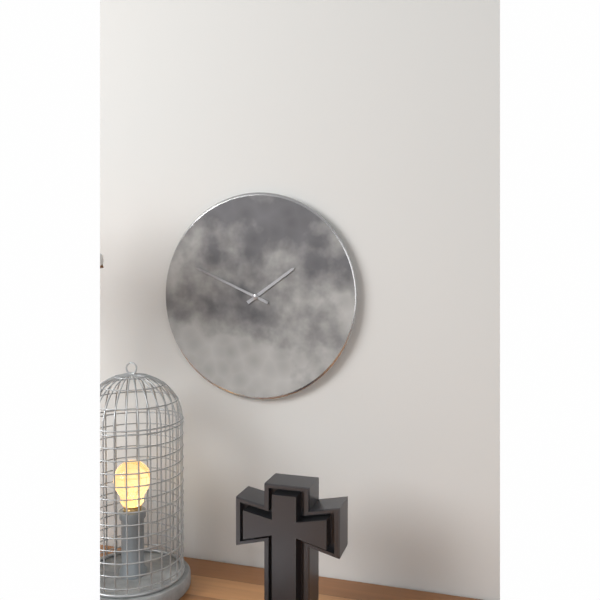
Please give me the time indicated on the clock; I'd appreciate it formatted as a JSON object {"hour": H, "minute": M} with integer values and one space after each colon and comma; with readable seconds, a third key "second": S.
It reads {"hour": 1, "minute": 49}
